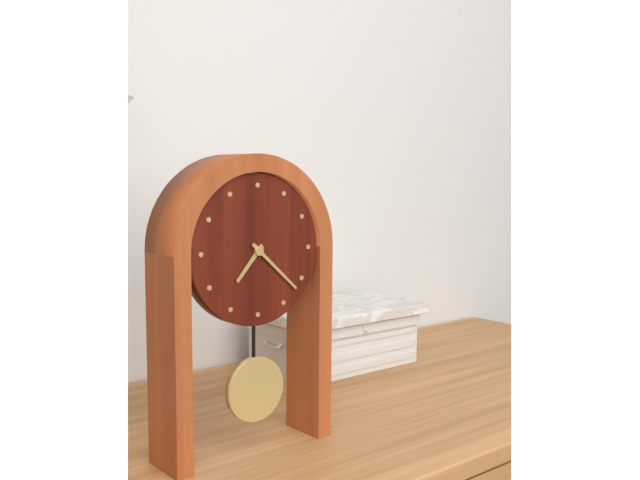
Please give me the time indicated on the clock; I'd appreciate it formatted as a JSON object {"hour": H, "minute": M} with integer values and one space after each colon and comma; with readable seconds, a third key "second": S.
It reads {"hour": 7, "minute": 22}
